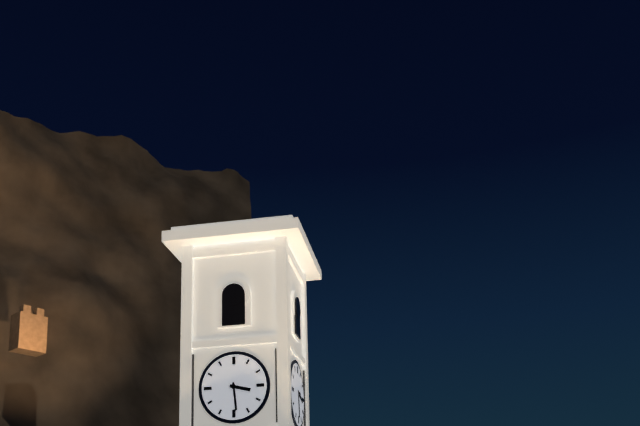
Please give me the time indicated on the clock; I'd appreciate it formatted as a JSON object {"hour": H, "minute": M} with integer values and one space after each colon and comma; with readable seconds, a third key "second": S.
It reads {"hour": 3, "minute": 29}
